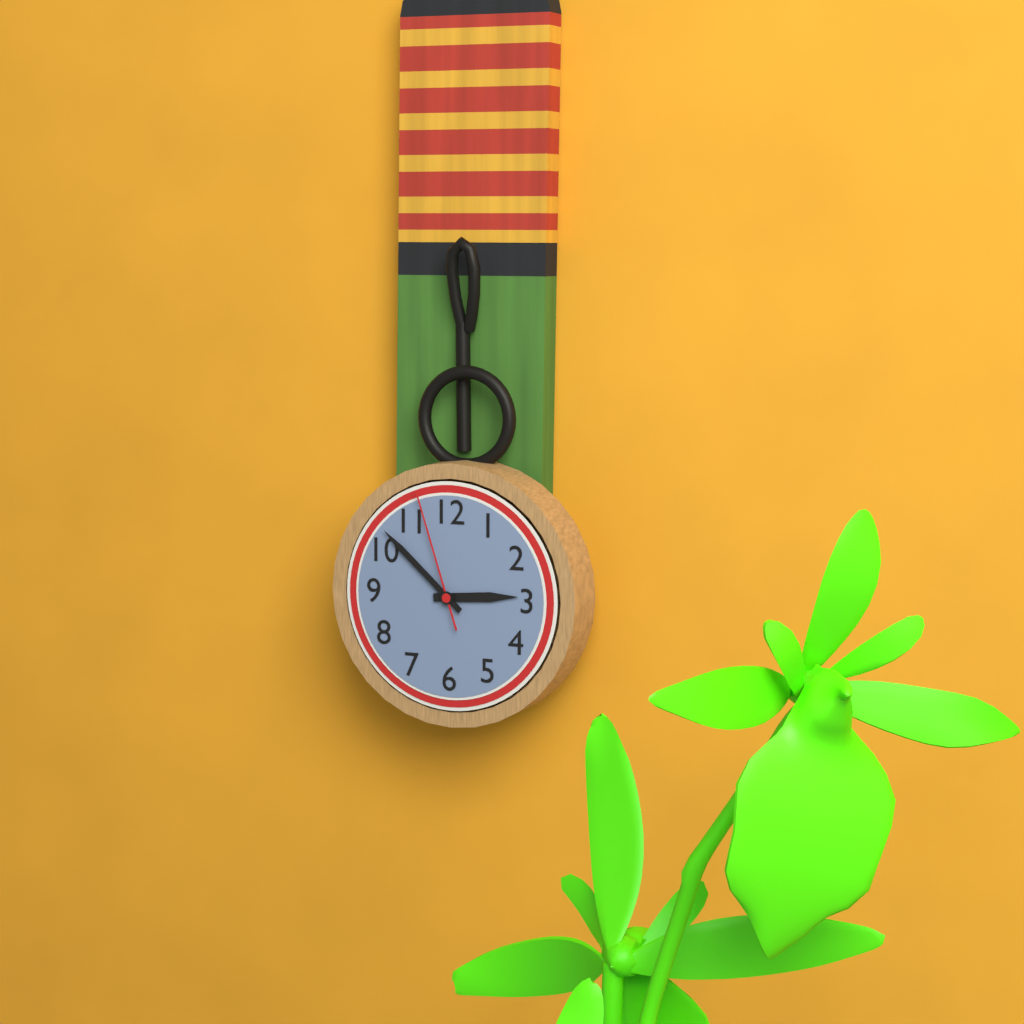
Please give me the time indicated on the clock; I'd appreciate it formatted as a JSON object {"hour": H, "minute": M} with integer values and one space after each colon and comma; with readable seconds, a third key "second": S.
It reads {"hour": 2, "minute": 52, "second": 57}
